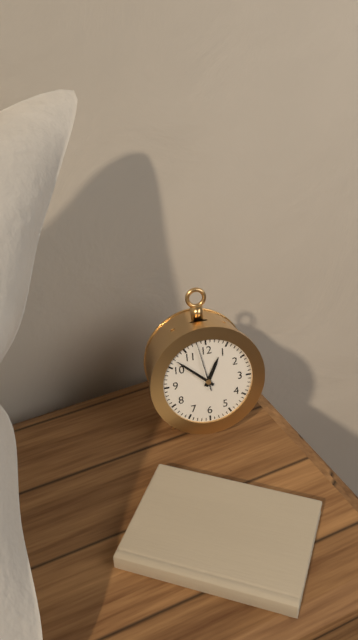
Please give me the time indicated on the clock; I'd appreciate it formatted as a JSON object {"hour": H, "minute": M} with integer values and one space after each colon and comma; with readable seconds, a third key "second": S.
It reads {"hour": 12, "minute": 52}
